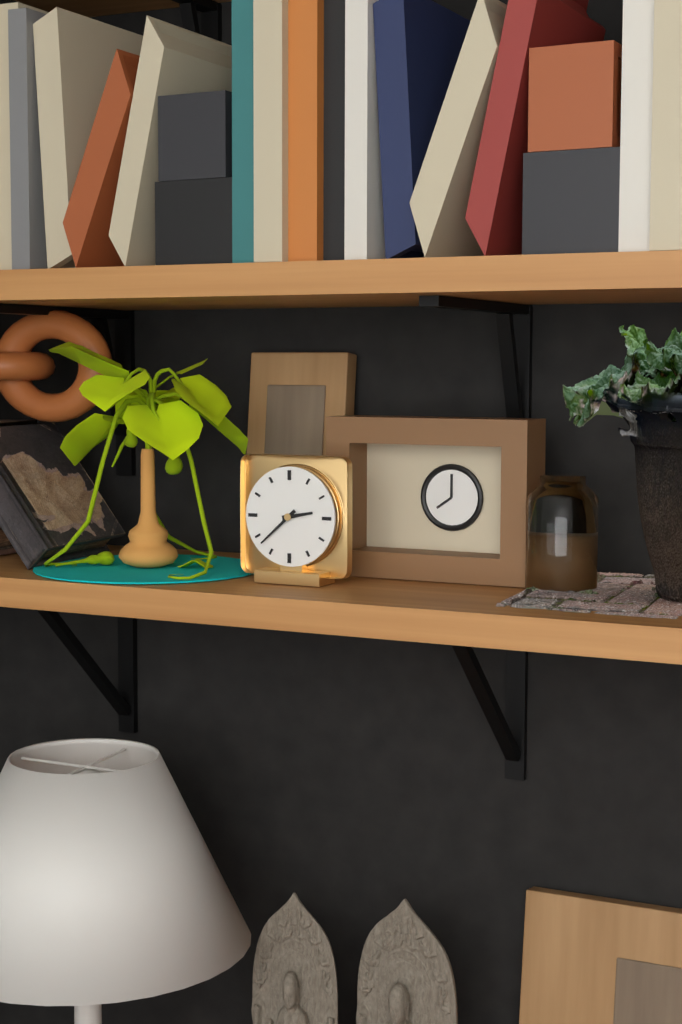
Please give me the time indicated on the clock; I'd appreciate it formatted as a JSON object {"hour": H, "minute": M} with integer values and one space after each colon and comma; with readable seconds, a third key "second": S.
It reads {"hour": 2, "minute": 38}
